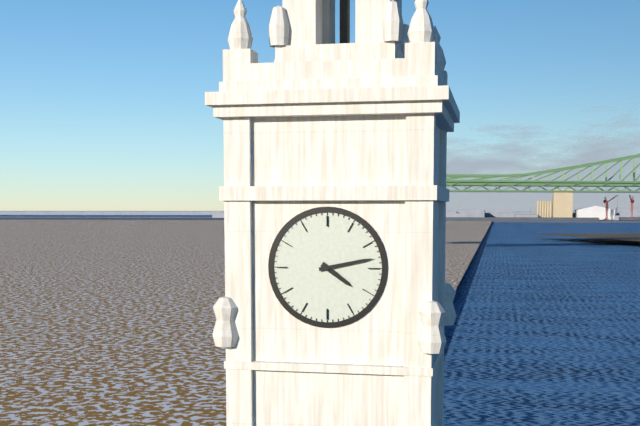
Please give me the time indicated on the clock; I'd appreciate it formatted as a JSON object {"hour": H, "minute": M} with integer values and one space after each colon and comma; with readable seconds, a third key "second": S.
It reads {"hour": 4, "minute": 13}
